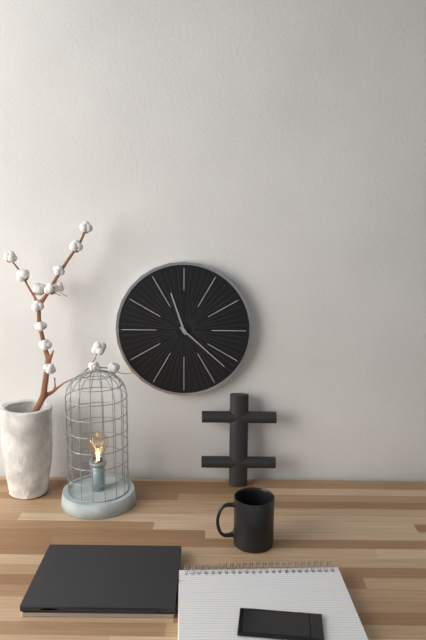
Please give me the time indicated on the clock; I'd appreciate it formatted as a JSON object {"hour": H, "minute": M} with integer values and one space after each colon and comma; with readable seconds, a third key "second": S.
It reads {"hour": 11, "minute": 22}
